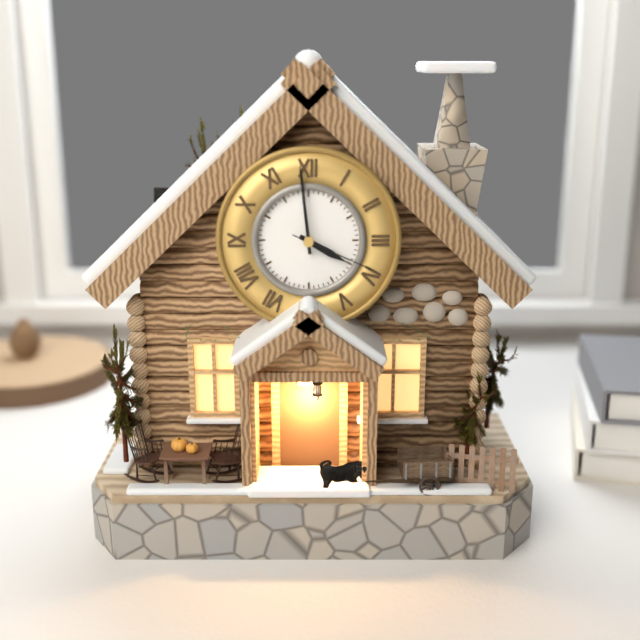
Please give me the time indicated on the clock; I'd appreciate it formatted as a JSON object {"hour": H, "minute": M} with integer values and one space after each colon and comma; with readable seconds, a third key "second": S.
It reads {"hour": 3, "minute": 59, "second": 19}
